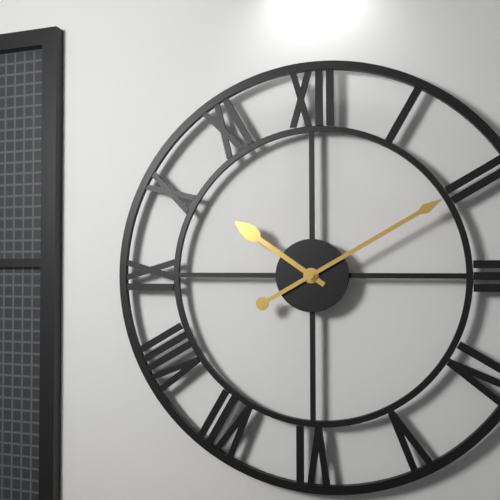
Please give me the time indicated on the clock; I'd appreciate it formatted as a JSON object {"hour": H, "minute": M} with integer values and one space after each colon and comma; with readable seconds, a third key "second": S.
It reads {"hour": 10, "minute": 10}
